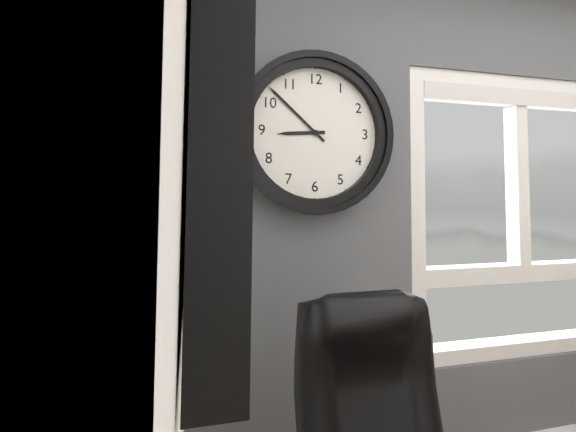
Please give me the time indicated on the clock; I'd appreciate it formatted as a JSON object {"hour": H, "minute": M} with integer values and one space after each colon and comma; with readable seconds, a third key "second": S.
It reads {"hour": 8, "minute": 52}
